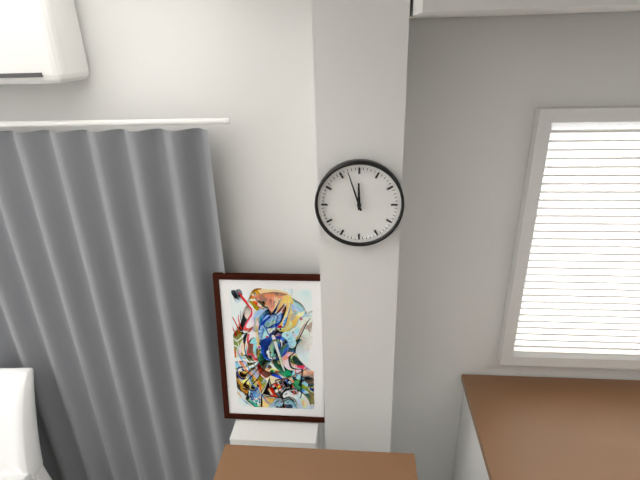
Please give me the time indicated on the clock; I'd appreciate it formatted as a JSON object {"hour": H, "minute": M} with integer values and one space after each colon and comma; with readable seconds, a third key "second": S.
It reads {"hour": 11, "minute": 57}
